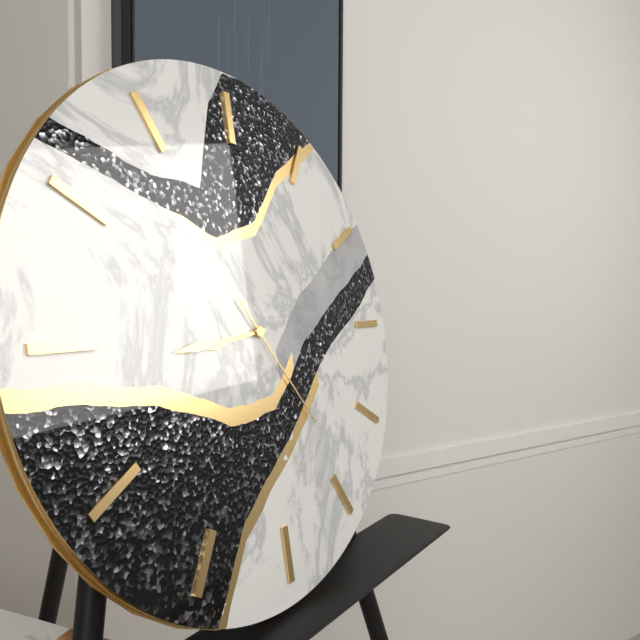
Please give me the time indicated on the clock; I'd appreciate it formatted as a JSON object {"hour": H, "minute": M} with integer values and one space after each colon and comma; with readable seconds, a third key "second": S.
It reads {"hour": 8, "minute": 44, "second": 24}
